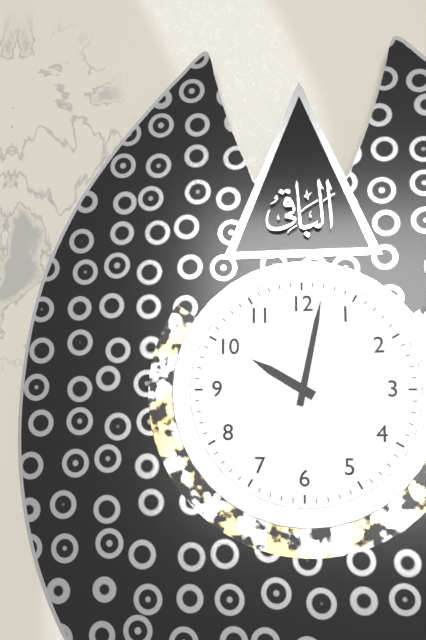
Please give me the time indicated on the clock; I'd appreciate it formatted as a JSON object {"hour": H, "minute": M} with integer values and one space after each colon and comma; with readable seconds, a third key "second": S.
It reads {"hour": 10, "minute": 2}
